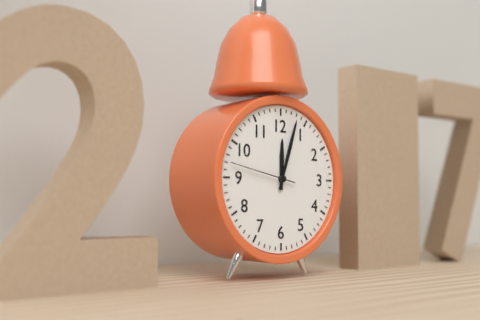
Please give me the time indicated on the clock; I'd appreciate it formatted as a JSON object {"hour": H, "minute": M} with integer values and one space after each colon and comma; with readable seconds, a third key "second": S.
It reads {"hour": 12, "minute": 3, "second": 47}
